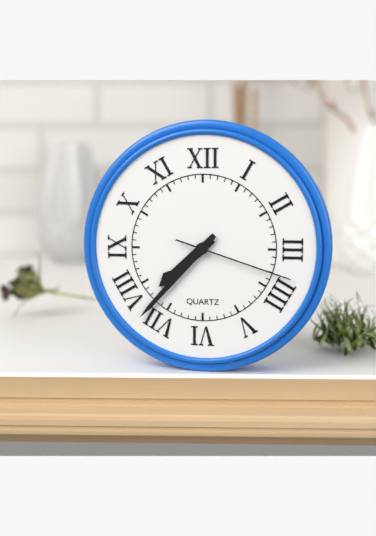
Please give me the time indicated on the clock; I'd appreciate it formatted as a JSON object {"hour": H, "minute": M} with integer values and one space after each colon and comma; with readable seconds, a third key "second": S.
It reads {"hour": 7, "minute": 37, "second": 18}
